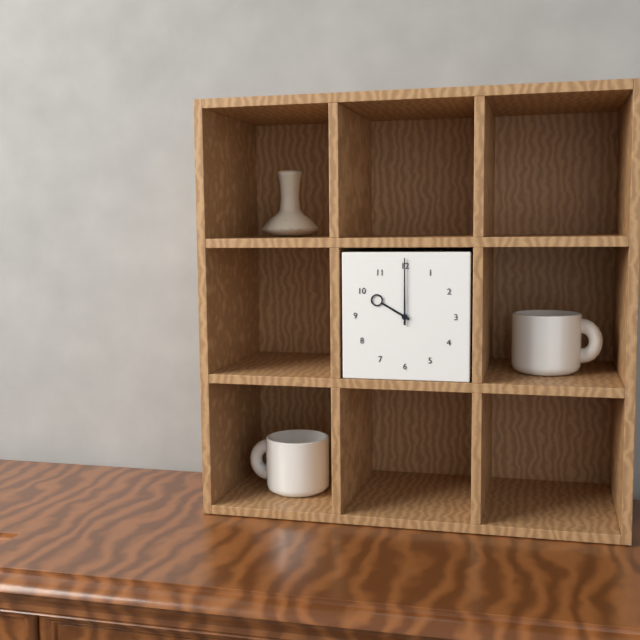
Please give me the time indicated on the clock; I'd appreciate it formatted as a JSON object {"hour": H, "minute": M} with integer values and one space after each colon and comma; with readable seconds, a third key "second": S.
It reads {"hour": 10, "minute": 0}
